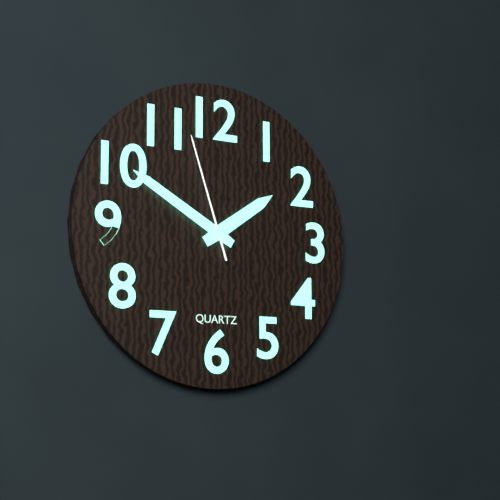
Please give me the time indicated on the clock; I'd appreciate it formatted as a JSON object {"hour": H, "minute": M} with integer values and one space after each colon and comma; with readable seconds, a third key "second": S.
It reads {"hour": 1, "minute": 50, "second": 57}
